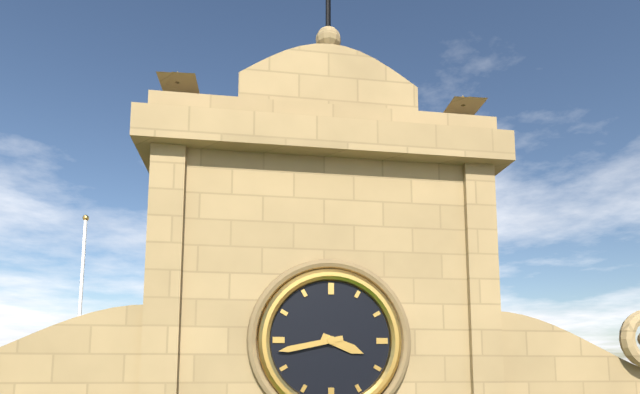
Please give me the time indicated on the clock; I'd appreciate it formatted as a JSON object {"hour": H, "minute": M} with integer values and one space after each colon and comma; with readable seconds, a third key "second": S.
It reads {"hour": 3, "minute": 43}
